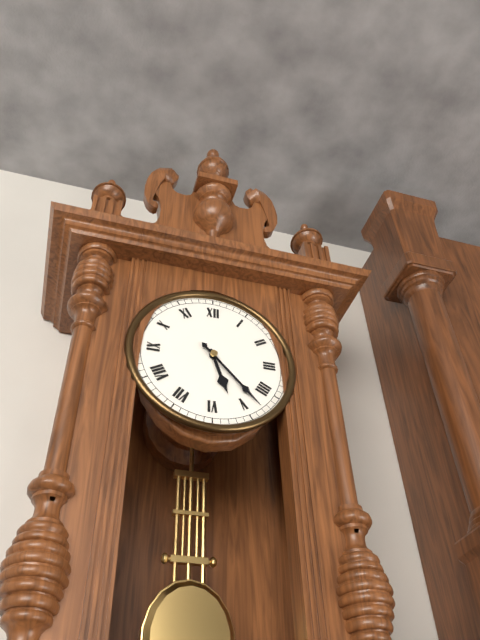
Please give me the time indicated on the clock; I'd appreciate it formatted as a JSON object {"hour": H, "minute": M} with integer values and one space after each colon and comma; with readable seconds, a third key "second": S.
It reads {"hour": 5, "minute": 23}
